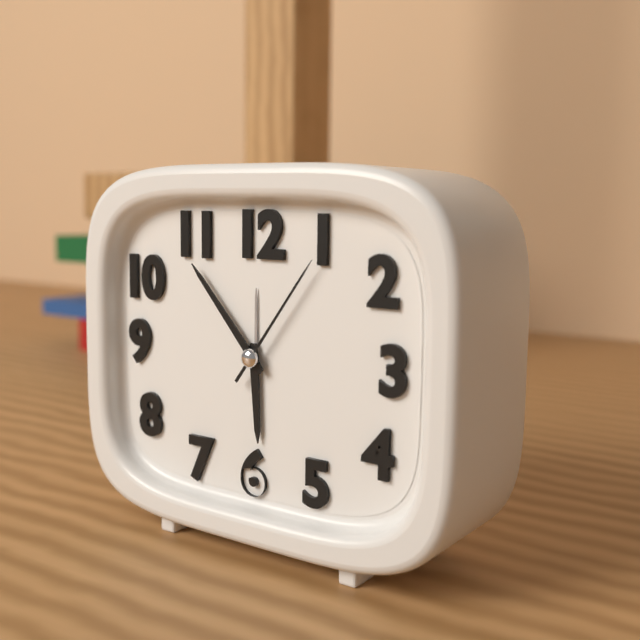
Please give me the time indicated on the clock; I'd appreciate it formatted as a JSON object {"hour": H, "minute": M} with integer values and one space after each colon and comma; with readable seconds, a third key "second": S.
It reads {"hour": 5, "minute": 53, "second": 6}
